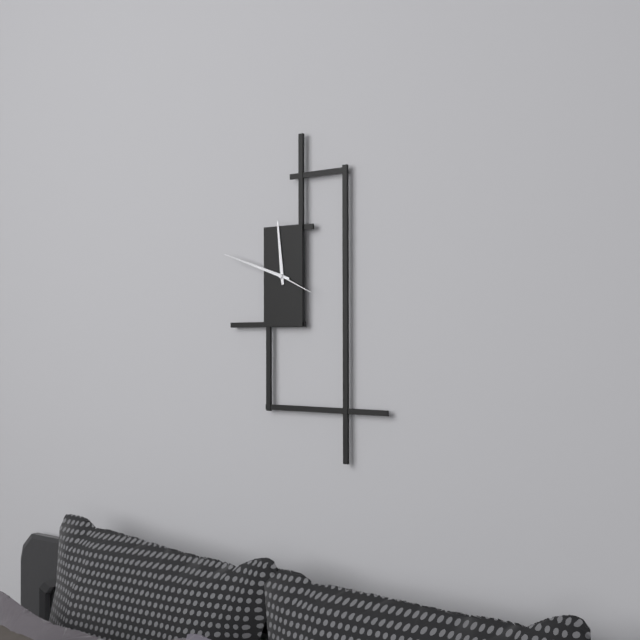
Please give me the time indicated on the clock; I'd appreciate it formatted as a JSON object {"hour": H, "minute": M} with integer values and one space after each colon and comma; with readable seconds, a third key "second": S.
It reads {"hour": 11, "minute": 48}
